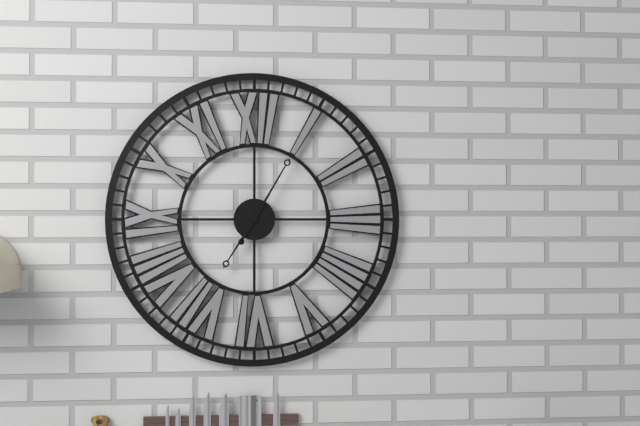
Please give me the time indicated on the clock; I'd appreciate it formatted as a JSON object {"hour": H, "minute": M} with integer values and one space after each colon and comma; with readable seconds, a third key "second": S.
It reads {"hour": 7, "minute": 5}
